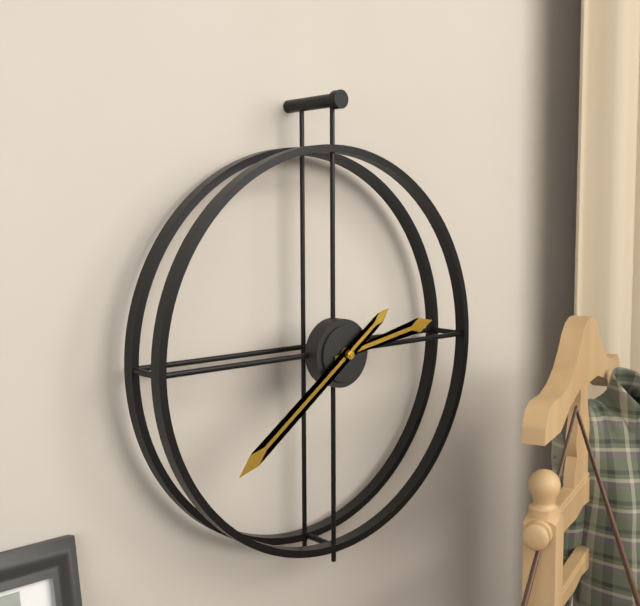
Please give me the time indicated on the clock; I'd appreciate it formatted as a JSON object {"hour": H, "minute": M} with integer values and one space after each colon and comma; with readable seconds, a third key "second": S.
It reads {"hour": 2, "minute": 39}
